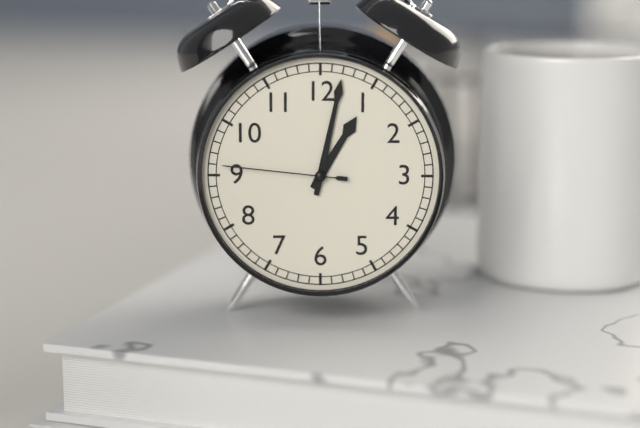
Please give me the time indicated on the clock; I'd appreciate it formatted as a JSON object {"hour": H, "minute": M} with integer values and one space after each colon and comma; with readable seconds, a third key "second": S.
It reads {"hour": 1, "minute": 2, "second": 46}
